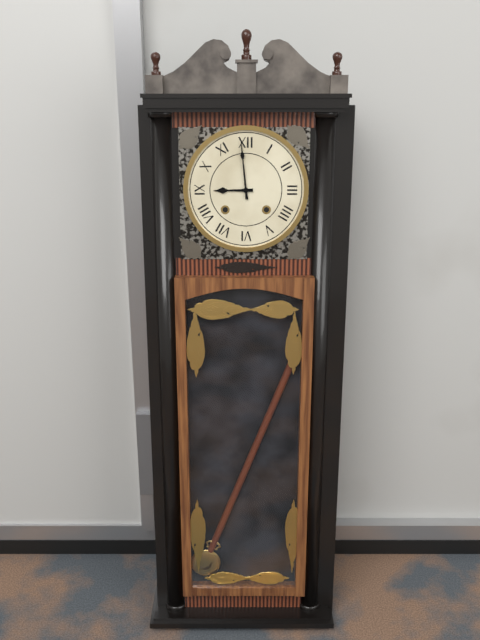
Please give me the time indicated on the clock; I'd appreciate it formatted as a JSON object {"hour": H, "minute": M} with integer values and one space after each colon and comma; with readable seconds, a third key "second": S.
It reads {"hour": 8, "minute": 59}
